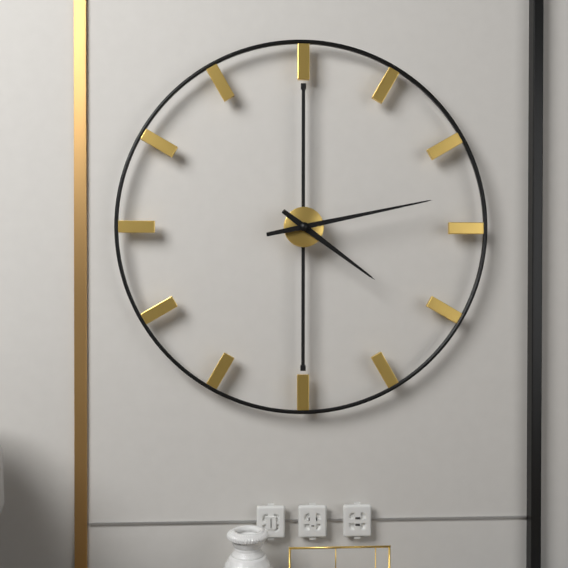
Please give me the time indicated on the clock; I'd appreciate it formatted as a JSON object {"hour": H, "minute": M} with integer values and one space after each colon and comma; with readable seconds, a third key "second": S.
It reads {"hour": 4, "minute": 13}
